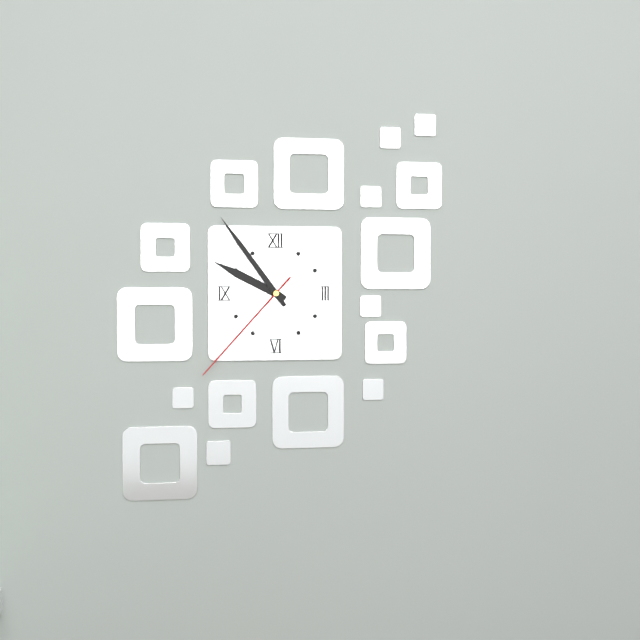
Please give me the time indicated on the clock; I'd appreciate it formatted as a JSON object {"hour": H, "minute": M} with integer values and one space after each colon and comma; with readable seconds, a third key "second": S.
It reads {"hour": 9, "minute": 54, "second": 37}
